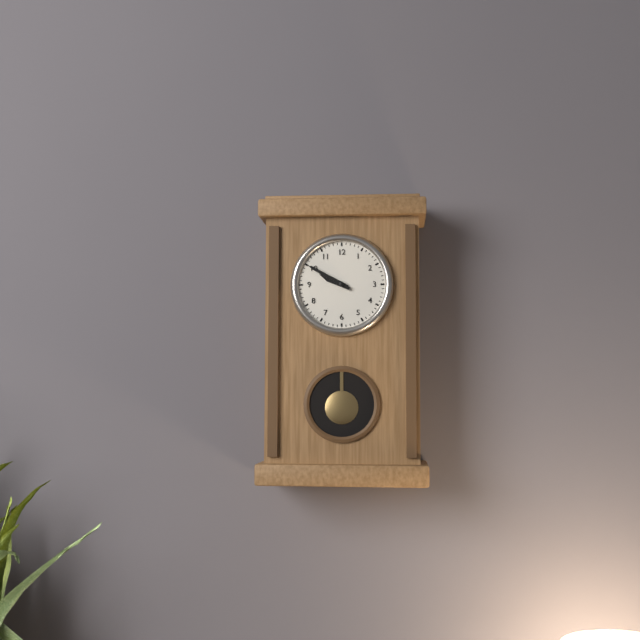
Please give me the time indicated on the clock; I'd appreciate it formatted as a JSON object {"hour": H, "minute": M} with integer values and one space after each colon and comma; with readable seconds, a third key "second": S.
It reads {"hour": 9, "minute": 50}
